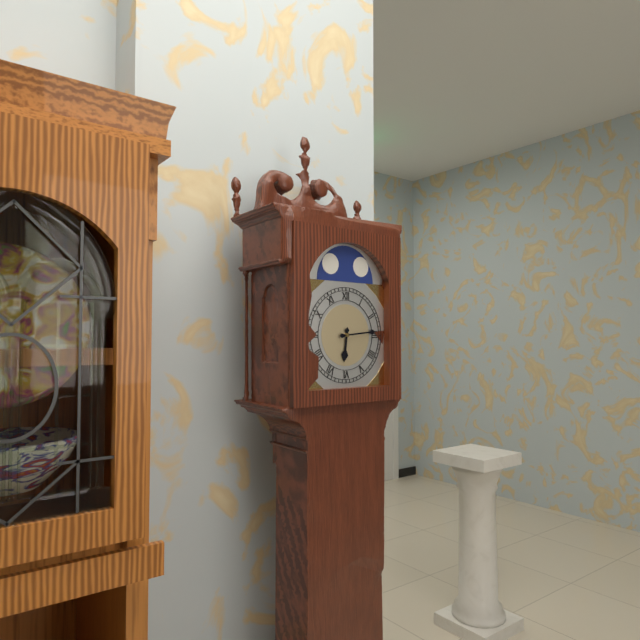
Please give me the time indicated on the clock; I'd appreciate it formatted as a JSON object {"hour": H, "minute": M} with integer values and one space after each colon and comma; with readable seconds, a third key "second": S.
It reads {"hour": 6, "minute": 14}
